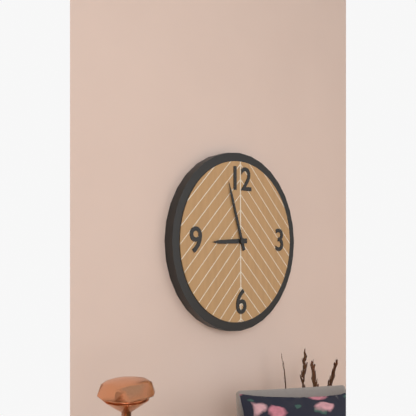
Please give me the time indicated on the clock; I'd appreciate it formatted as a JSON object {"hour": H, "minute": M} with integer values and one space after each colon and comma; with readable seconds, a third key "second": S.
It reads {"hour": 8, "minute": 57}
